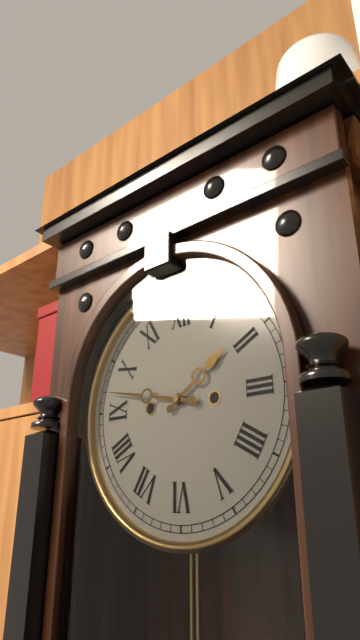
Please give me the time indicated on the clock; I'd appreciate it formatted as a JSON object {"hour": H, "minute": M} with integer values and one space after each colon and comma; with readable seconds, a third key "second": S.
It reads {"hour": 1, "minute": 47}
